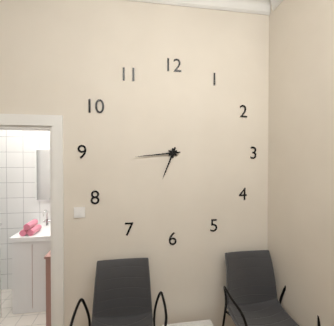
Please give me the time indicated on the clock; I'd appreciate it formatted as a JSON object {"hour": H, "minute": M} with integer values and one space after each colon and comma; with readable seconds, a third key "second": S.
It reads {"hour": 6, "minute": 44}
